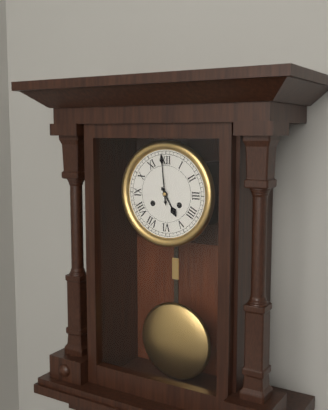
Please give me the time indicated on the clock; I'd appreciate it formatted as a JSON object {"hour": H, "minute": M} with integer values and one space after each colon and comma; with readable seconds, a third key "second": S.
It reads {"hour": 4, "minute": 59}
